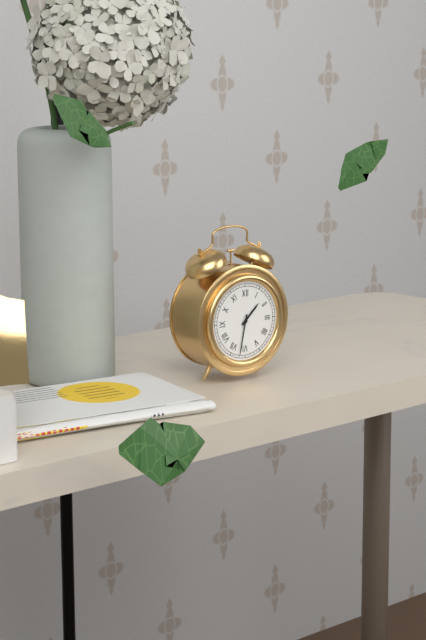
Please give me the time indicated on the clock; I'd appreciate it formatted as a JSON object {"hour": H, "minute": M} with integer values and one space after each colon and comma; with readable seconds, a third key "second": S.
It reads {"hour": 1, "minute": 32}
